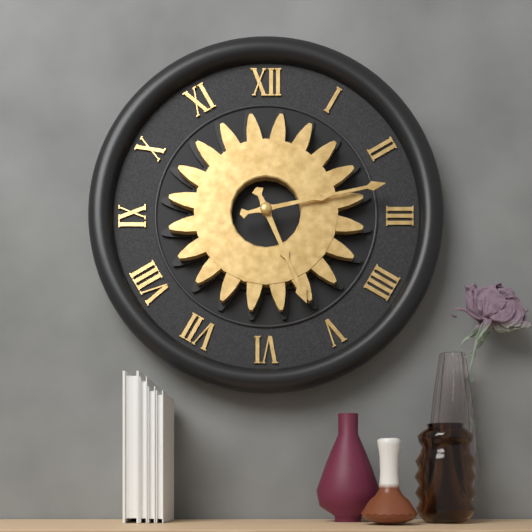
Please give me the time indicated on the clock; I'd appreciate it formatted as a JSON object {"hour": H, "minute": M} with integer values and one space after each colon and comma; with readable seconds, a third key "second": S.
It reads {"hour": 5, "minute": 13}
